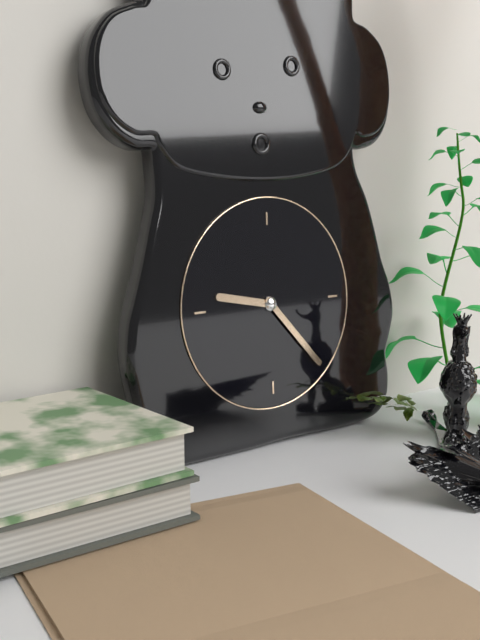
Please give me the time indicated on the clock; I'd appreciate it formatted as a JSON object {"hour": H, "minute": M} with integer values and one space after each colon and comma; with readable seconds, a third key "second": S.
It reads {"hour": 9, "minute": 23}
